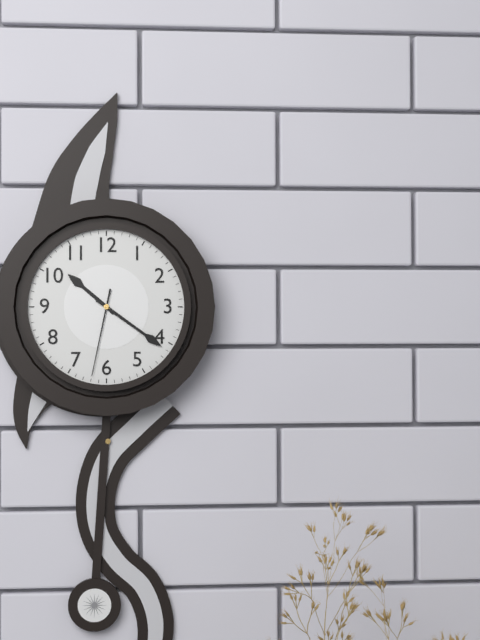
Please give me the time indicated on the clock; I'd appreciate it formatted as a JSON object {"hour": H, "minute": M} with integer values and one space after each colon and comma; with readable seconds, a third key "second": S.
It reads {"hour": 10, "minute": 21, "second": 32}
